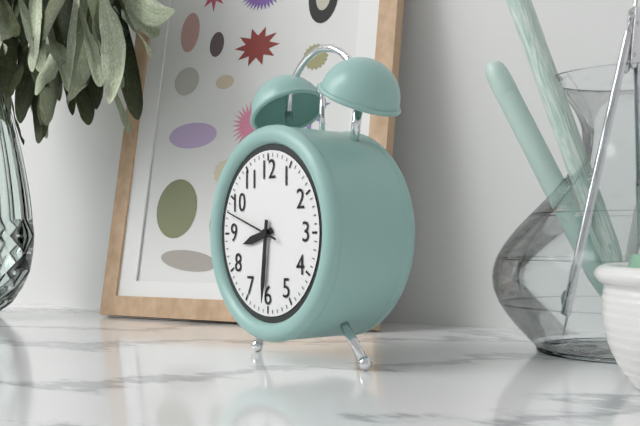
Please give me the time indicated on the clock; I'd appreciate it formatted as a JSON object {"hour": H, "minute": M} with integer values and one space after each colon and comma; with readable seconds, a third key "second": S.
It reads {"hour": 8, "minute": 31, "second": 48}
